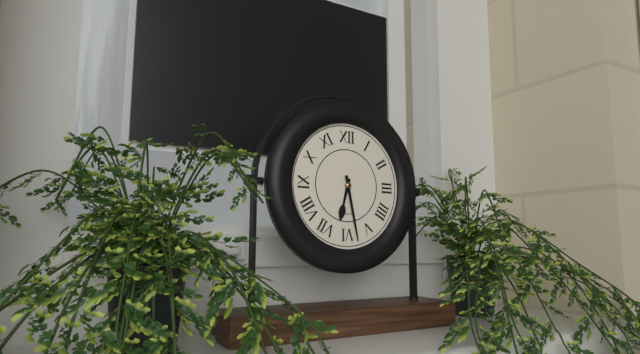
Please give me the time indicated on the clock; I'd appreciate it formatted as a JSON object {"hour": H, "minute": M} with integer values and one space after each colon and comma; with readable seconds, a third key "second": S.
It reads {"hour": 6, "minute": 28}
